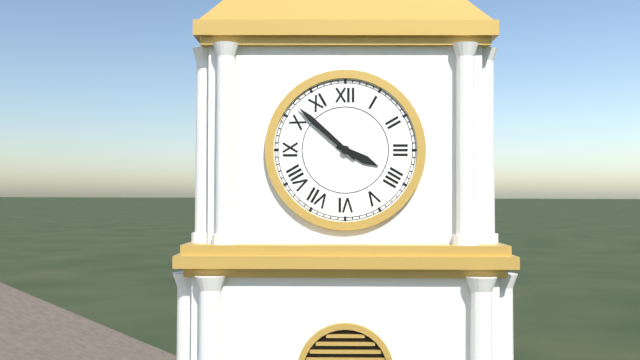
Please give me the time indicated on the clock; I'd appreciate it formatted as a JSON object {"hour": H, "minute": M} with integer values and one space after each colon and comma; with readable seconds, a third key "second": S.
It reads {"hour": 3, "minute": 52}
